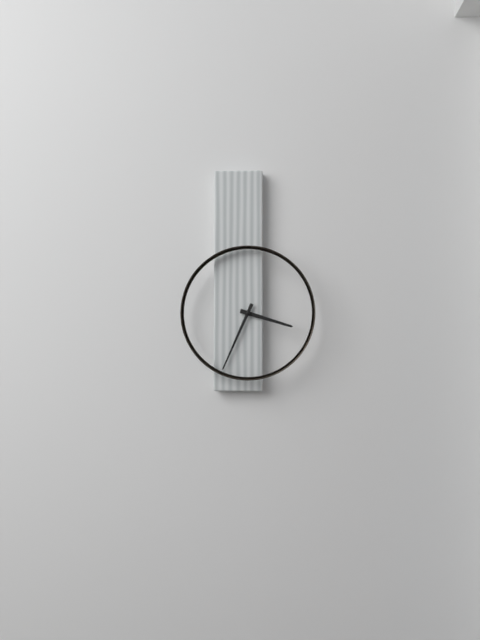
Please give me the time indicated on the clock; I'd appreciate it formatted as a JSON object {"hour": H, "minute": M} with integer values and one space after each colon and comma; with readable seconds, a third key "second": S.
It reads {"hour": 3, "minute": 34}
